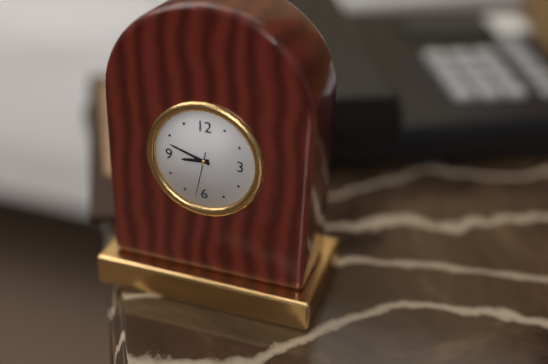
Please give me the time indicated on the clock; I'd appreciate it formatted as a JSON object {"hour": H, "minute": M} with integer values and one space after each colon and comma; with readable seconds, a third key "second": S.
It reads {"hour": 8, "minute": 48}
